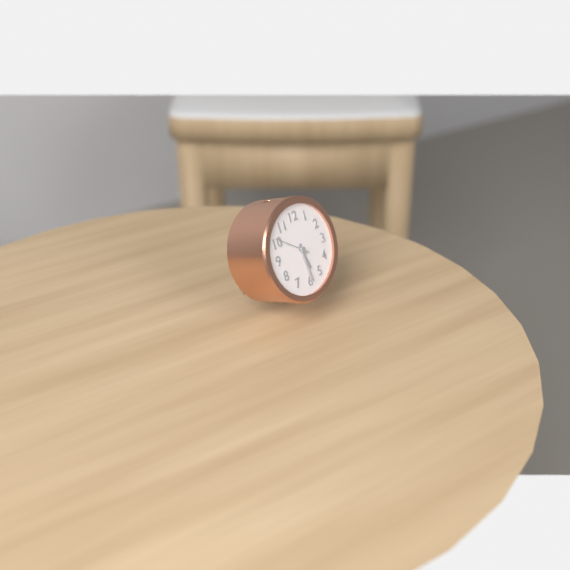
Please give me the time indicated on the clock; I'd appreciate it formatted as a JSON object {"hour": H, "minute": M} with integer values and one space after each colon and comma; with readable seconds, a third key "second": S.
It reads {"hour": 5, "minute": 29}
